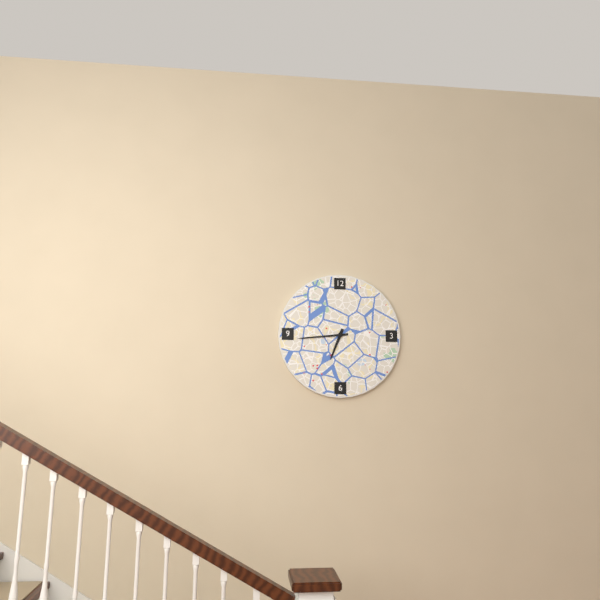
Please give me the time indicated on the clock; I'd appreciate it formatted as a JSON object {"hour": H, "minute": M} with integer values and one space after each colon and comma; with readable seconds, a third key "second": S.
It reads {"hour": 6, "minute": 44}
